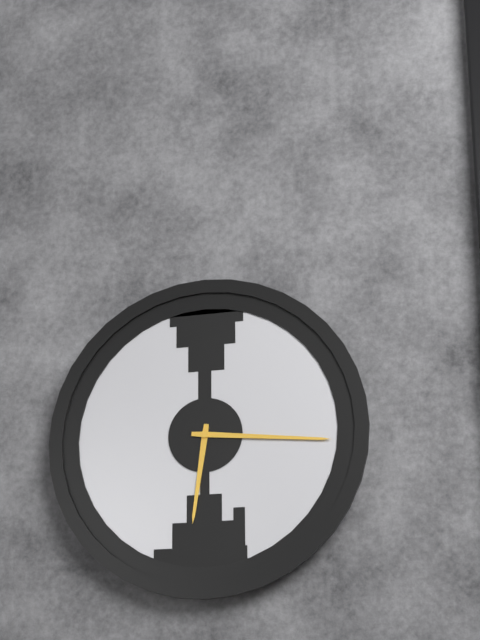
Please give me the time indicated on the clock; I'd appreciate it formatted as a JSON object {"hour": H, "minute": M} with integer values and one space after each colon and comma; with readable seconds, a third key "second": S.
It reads {"hour": 6, "minute": 16}
